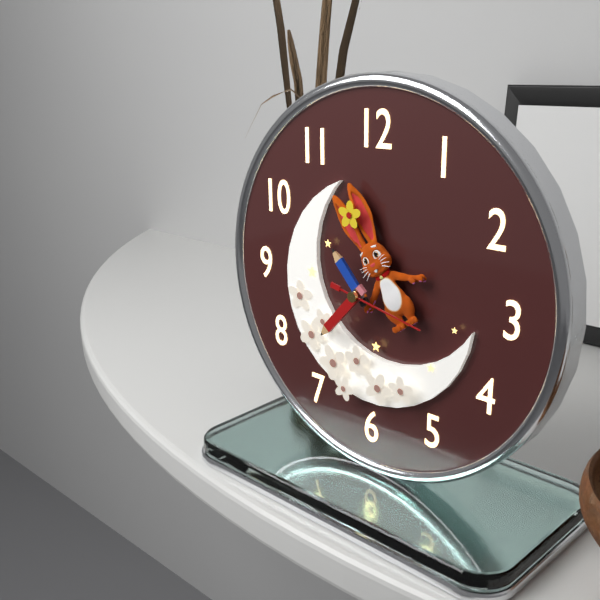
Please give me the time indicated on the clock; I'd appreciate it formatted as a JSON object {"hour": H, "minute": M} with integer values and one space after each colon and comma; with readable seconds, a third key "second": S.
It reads {"hour": 10, "minute": 37, "second": 17}
